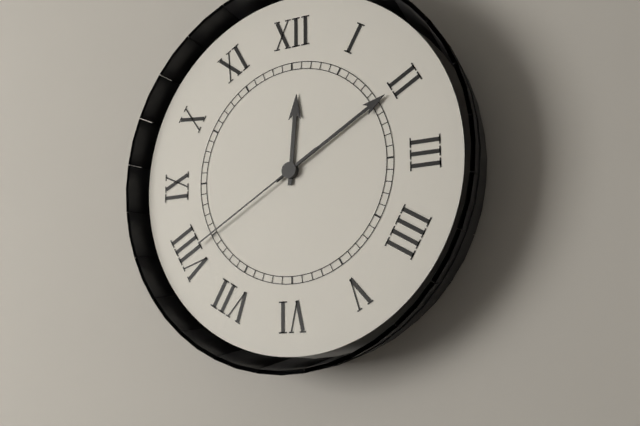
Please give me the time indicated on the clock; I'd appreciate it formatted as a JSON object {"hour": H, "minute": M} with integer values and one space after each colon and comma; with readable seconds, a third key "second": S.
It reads {"hour": 12, "minute": 10, "second": 40}
